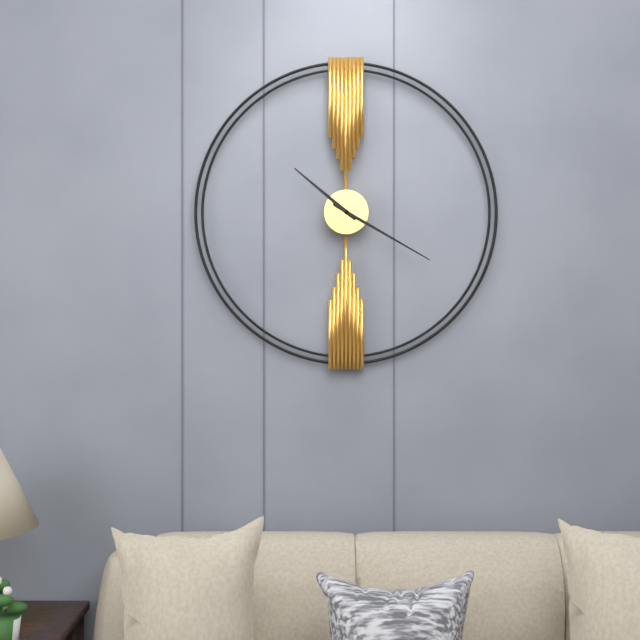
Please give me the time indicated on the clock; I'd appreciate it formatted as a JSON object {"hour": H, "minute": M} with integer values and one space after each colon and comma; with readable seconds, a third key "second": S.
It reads {"hour": 10, "minute": 20}
